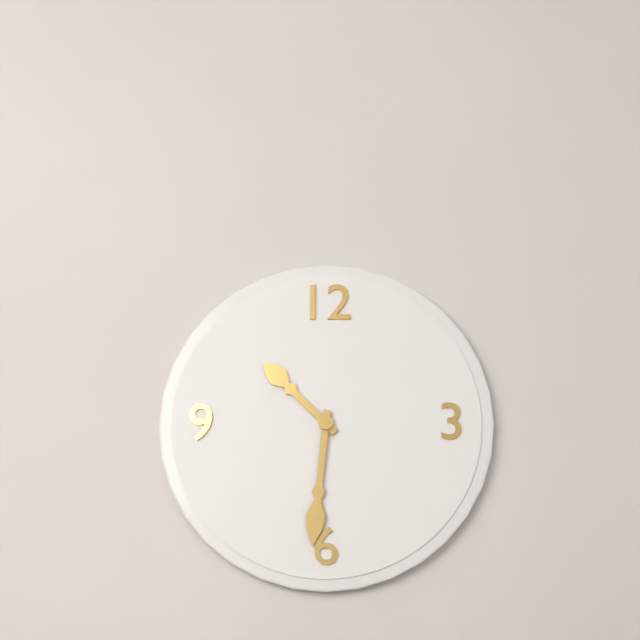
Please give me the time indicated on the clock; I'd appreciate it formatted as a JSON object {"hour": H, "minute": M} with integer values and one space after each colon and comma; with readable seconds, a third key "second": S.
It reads {"hour": 10, "minute": 31}
